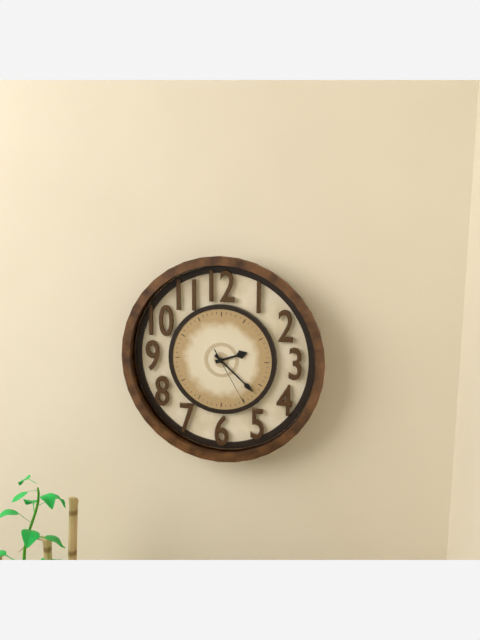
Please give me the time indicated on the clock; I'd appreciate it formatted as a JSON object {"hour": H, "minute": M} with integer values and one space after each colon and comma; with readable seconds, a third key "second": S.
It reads {"hour": 2, "minute": 22, "second": 25}
